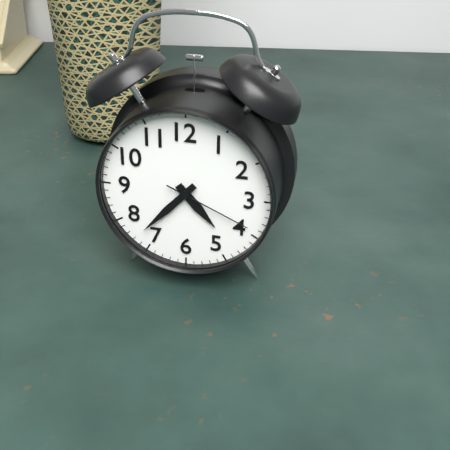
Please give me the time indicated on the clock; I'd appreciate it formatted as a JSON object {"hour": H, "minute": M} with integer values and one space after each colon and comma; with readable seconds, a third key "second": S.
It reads {"hour": 4, "minute": 37, "second": 19}
